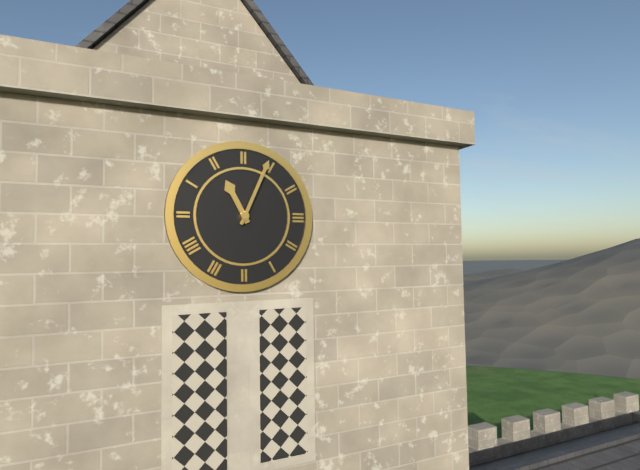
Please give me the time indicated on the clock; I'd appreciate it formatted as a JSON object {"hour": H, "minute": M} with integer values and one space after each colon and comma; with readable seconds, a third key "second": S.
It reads {"hour": 11, "minute": 4}
